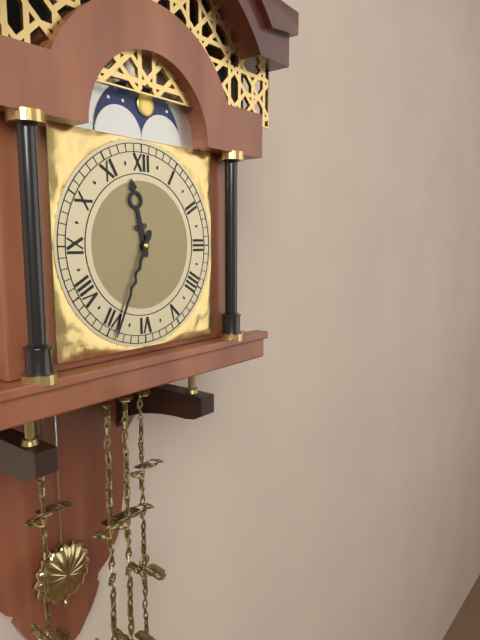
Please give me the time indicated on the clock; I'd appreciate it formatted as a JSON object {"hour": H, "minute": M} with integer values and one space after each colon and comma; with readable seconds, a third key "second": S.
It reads {"hour": 11, "minute": 34}
